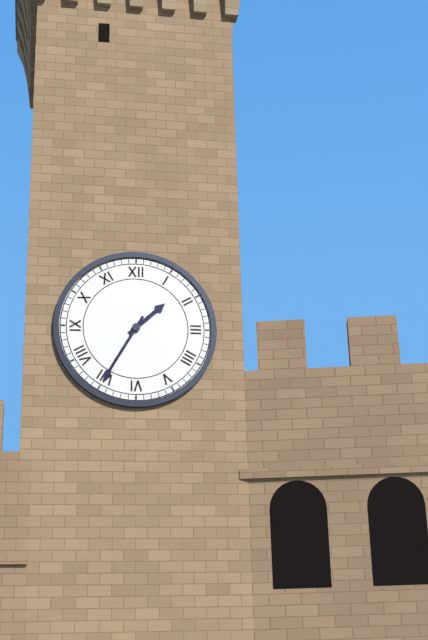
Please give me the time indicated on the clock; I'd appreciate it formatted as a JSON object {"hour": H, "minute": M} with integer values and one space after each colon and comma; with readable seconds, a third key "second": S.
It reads {"hour": 1, "minute": 35}
